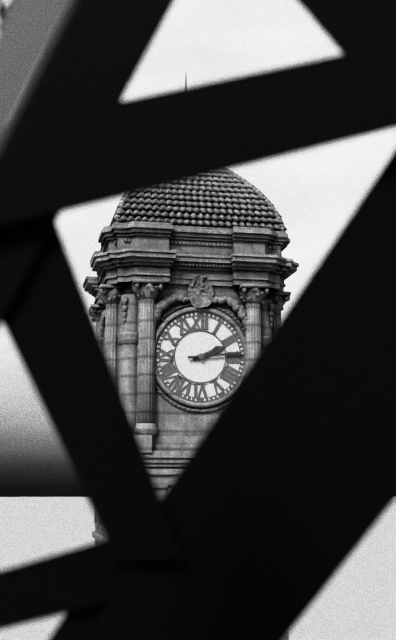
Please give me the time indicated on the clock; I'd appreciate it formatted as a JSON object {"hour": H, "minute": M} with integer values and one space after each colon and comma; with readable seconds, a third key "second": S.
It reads {"hour": 2, "minute": 14}
